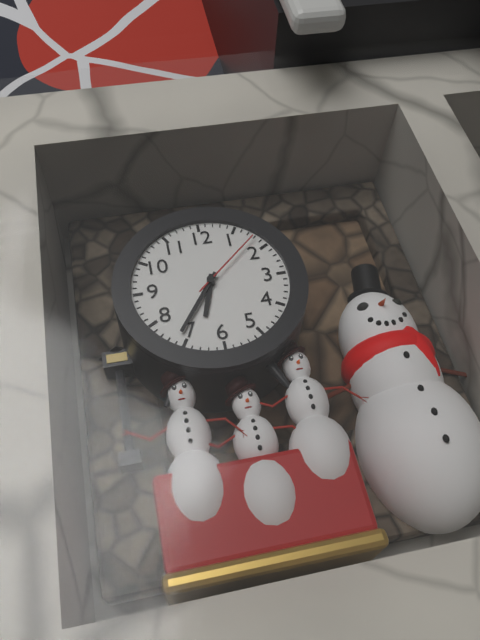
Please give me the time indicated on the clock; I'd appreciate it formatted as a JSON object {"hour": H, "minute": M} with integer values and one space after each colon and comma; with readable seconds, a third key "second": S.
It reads {"hour": 6, "minute": 36, "second": 8}
